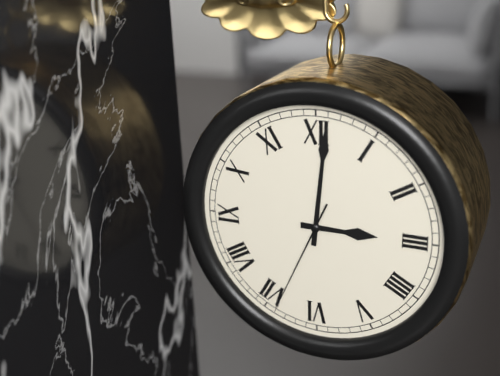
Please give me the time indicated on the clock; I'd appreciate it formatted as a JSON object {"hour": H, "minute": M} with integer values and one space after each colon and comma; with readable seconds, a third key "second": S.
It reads {"hour": 3, "minute": 1, "second": 34}
